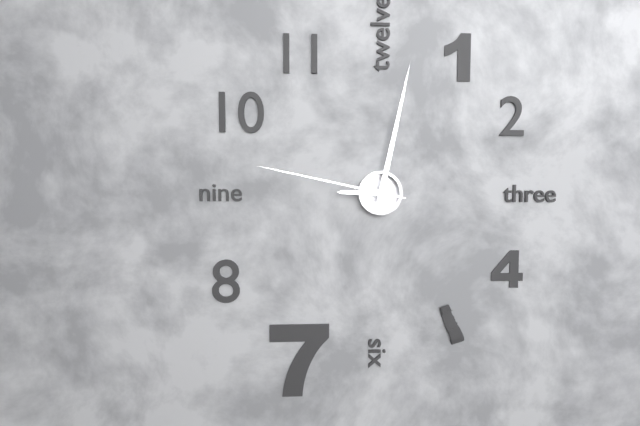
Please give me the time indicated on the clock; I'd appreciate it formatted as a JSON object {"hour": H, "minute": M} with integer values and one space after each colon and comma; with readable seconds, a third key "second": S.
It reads {"hour": 9, "minute": 2, "second": 47}
